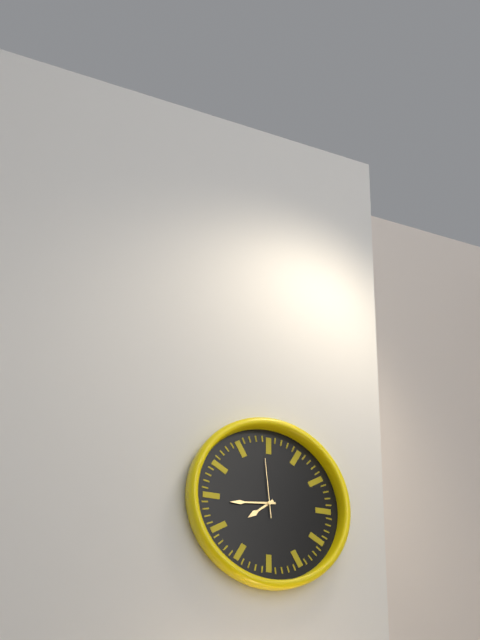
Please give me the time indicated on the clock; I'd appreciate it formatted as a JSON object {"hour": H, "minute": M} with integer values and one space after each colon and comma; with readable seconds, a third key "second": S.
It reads {"hour": 7, "minute": 44, "second": 59}
